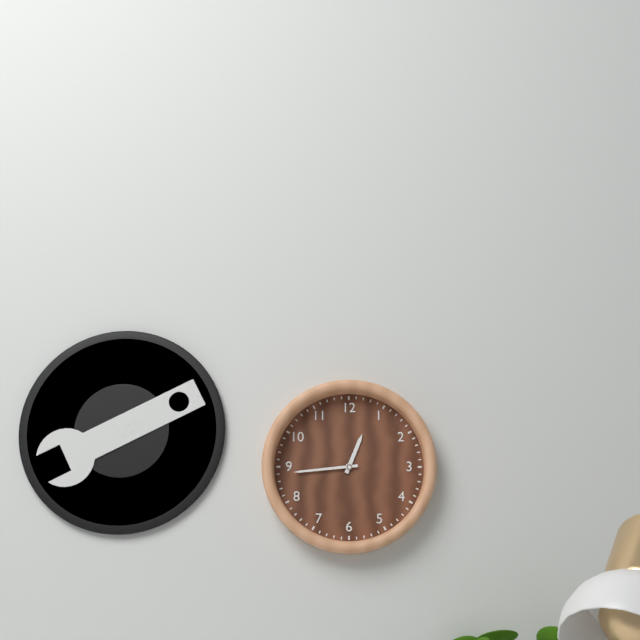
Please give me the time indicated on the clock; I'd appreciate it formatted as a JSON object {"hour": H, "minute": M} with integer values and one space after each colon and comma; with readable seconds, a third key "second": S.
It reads {"hour": 12, "minute": 44}
